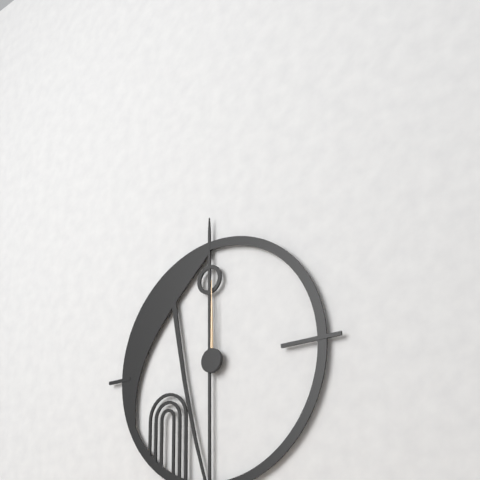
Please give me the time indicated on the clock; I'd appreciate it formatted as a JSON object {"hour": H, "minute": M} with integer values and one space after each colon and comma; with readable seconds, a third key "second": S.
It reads {"hour": 12, "minute": 0}
